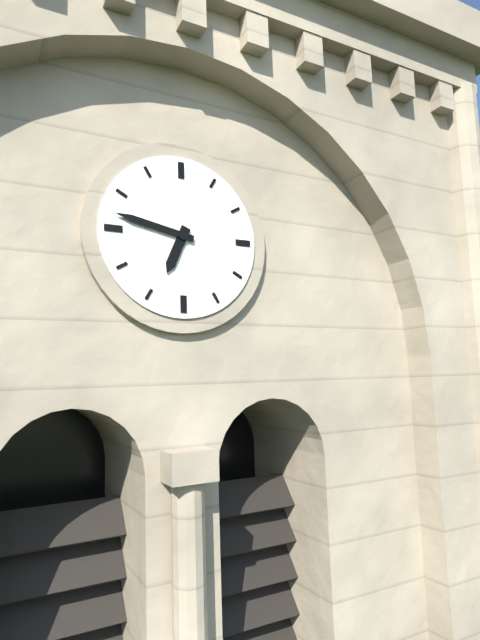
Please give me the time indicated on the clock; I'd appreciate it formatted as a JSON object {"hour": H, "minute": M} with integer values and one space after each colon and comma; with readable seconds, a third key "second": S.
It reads {"hour": 6, "minute": 47}
